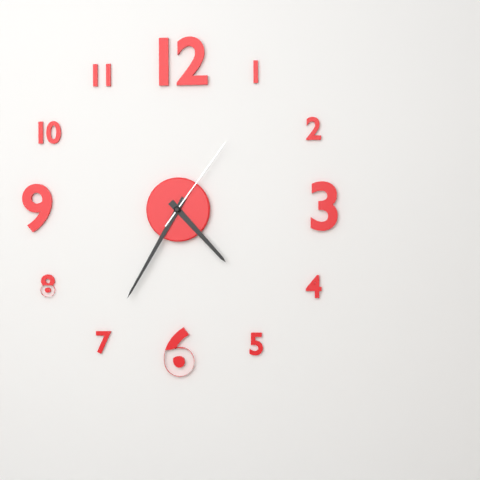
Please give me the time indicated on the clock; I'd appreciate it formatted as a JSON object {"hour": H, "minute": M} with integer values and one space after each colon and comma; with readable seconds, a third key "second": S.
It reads {"hour": 4, "minute": 35, "second": 6}
